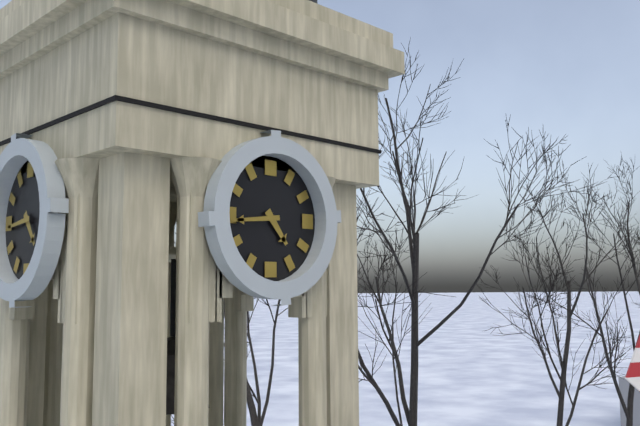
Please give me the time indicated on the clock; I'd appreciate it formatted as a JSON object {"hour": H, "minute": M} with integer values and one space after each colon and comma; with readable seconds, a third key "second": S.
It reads {"hour": 4, "minute": 44}
